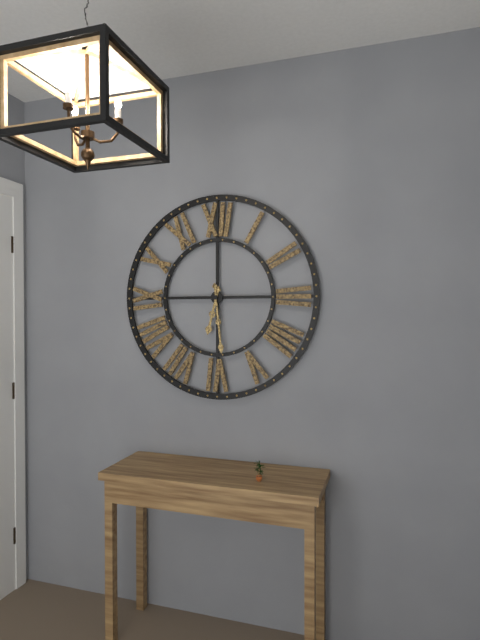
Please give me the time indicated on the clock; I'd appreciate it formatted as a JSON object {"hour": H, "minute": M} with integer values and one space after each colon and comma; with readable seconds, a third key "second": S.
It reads {"hour": 6, "minute": 29}
